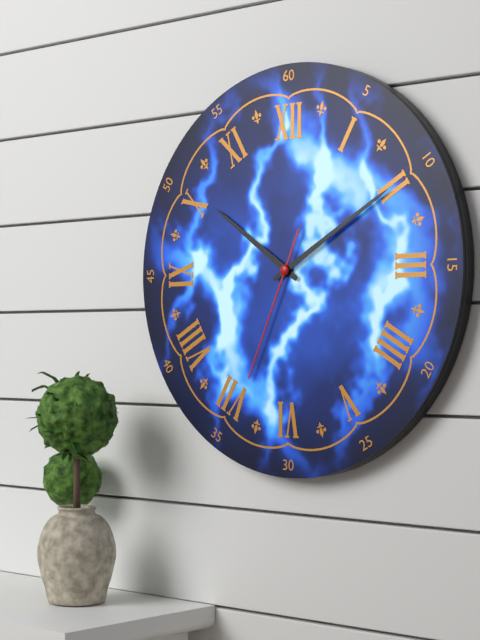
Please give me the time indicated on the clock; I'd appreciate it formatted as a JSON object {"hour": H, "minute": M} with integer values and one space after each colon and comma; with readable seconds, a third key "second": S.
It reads {"hour": 10, "minute": 10, "second": 34}
